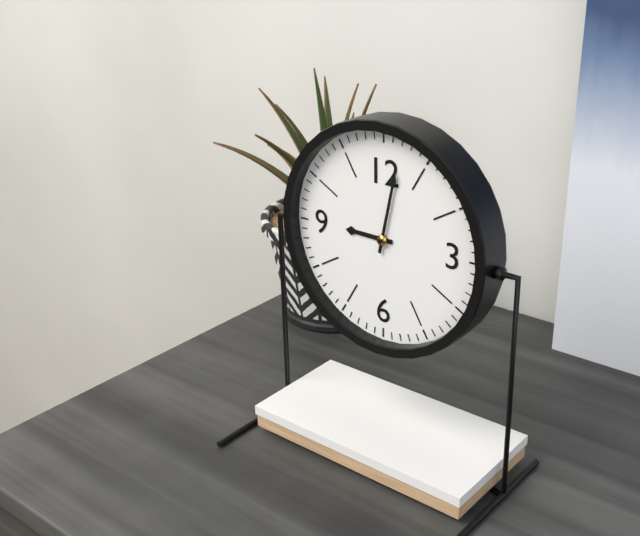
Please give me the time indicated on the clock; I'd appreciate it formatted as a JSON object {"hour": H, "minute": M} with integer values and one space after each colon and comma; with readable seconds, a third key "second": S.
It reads {"hour": 9, "minute": 2}
